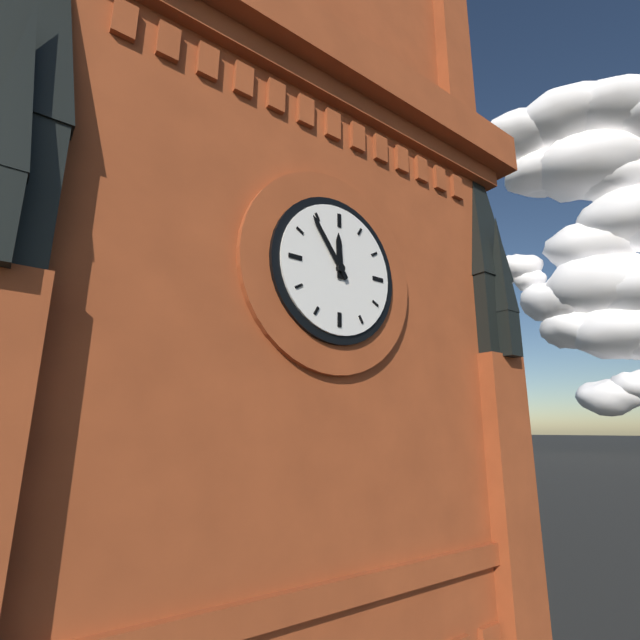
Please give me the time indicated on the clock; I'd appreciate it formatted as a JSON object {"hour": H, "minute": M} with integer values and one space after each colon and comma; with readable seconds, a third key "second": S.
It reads {"hour": 11, "minute": 54}
